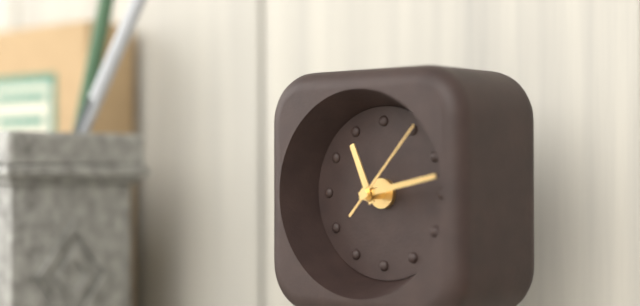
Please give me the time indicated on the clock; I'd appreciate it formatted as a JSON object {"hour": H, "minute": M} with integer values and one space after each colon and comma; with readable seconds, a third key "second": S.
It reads {"hour": 11, "minute": 13, "second": 7}
